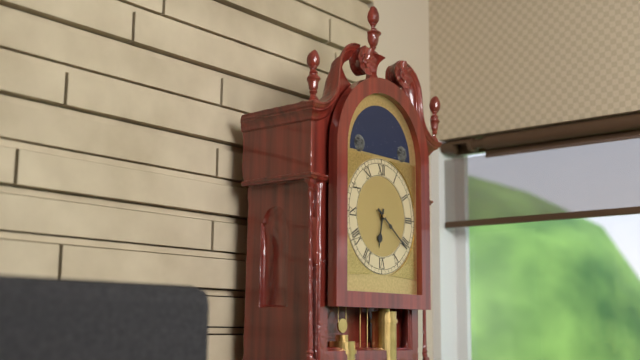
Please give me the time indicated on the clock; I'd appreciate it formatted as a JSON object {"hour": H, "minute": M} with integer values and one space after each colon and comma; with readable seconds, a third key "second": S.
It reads {"hour": 6, "minute": 21}
